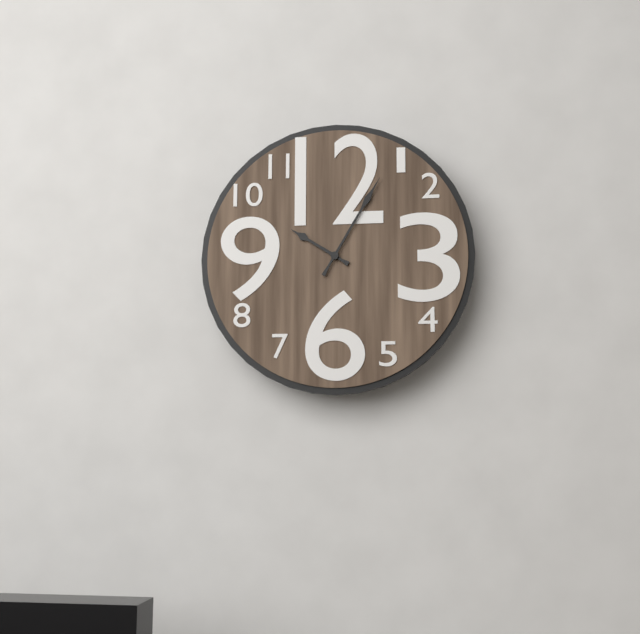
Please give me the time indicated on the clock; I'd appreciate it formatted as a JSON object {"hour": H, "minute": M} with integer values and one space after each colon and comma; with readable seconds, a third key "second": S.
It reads {"hour": 10, "minute": 5}
